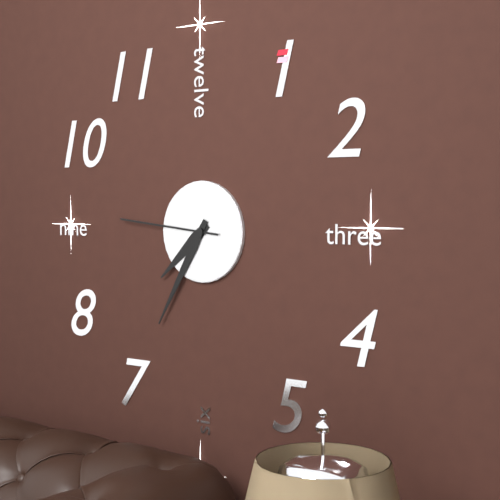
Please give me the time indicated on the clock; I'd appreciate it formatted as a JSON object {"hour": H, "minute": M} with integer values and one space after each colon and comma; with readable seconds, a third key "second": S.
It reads {"hour": 7, "minute": 35, "second": 46}
